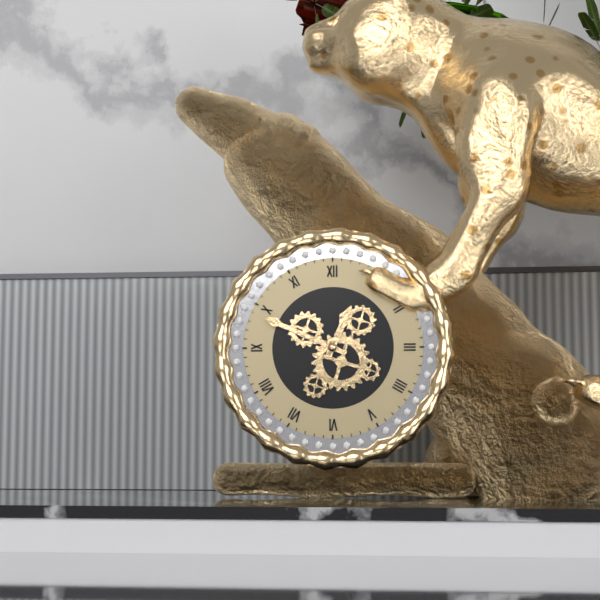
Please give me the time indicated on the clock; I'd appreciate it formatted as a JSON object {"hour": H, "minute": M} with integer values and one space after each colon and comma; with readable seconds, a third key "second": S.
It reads {"hour": 12, "minute": 49}
